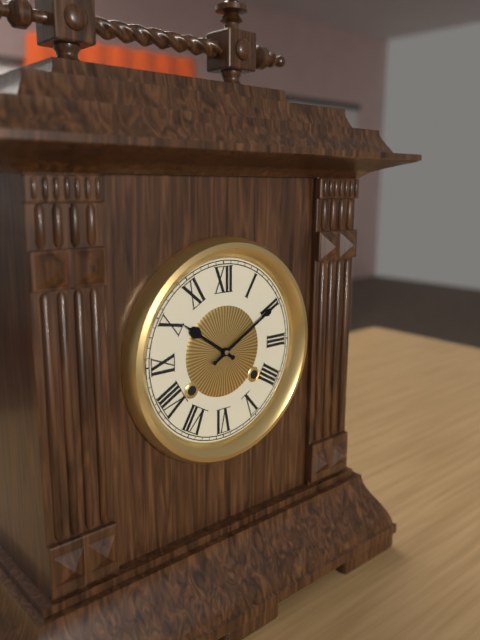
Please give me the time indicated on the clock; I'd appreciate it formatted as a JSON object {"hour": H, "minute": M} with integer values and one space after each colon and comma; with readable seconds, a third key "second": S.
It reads {"hour": 10, "minute": 10}
